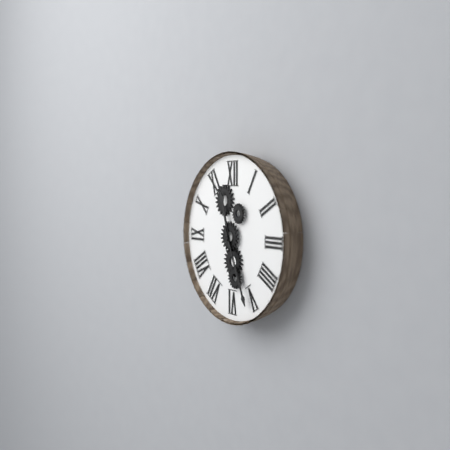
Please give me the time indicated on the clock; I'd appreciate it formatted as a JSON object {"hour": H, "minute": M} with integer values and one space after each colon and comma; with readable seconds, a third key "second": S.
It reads {"hour": 11, "minute": 26}
